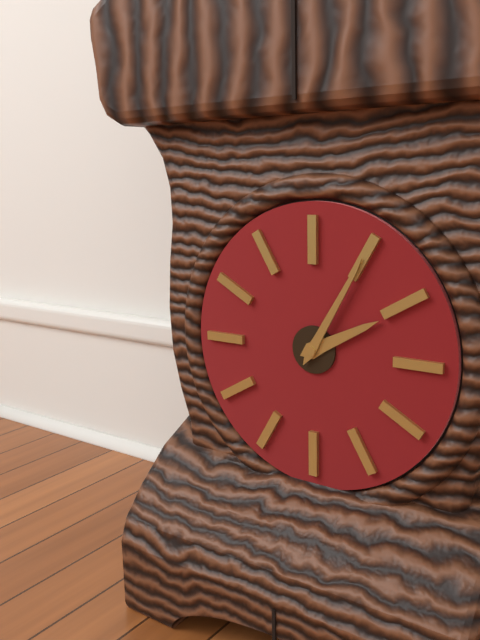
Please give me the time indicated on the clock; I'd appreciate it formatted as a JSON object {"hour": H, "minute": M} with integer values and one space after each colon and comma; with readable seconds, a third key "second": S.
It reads {"hour": 2, "minute": 5}
